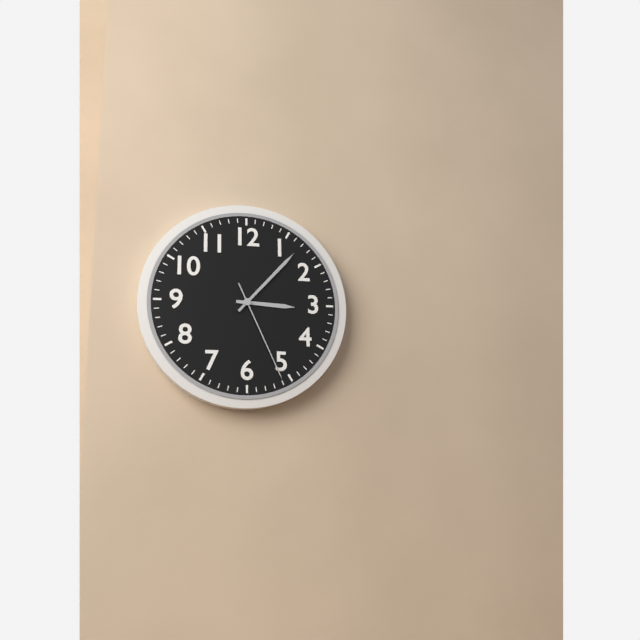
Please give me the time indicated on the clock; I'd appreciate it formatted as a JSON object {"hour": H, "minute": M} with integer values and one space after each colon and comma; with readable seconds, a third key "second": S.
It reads {"hour": 3, "minute": 7, "second": 26}
